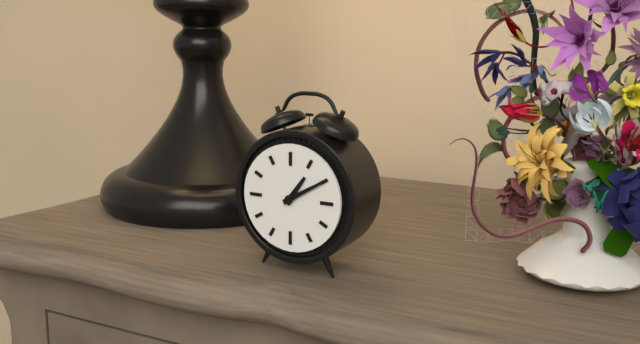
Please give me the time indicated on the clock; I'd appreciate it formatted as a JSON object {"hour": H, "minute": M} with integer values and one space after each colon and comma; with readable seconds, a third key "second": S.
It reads {"hour": 1, "minute": 10}
